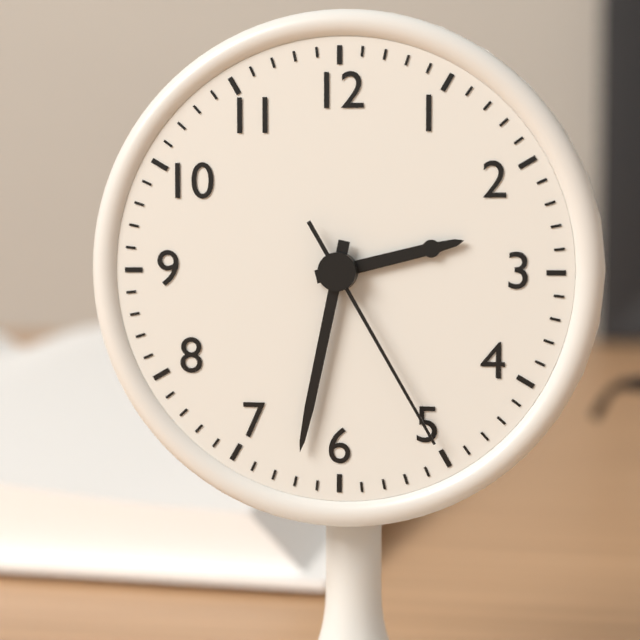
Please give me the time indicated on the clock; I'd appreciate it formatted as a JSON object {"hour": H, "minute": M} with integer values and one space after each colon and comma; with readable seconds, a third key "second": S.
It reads {"hour": 2, "minute": 32, "second": 25}
